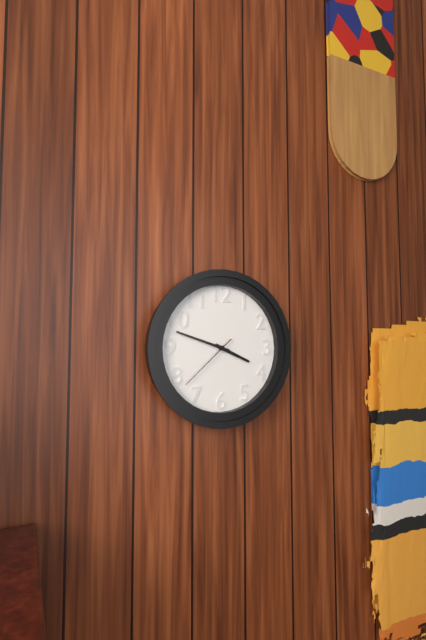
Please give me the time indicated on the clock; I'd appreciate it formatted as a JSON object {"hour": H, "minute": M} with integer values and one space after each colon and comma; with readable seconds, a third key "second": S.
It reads {"hour": 3, "minute": 48, "second": 38}
